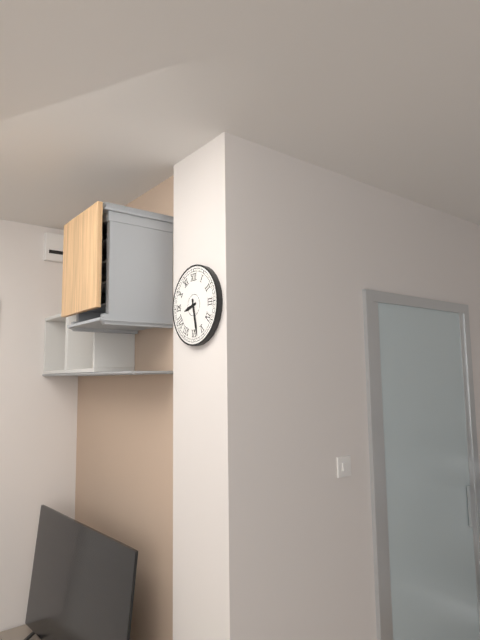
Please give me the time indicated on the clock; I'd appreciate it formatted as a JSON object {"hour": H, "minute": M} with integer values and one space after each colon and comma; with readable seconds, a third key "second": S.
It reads {"hour": 8, "minute": 28}
